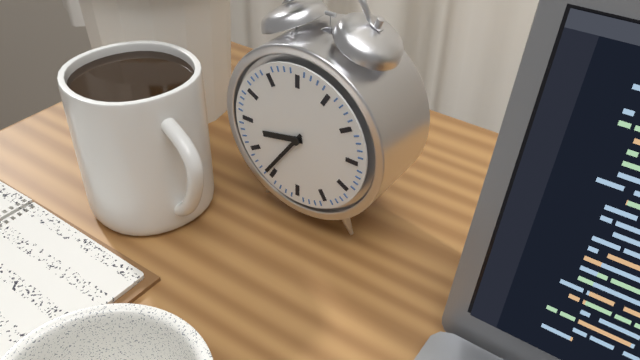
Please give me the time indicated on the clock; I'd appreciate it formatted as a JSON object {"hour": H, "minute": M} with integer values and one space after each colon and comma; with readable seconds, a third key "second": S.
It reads {"hour": 8, "minute": 36}
